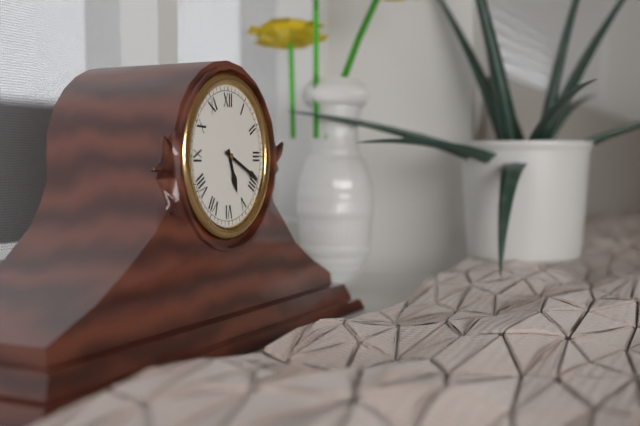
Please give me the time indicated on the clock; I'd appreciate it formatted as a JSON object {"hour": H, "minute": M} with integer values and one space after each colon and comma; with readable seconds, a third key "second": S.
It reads {"hour": 5, "minute": 19}
